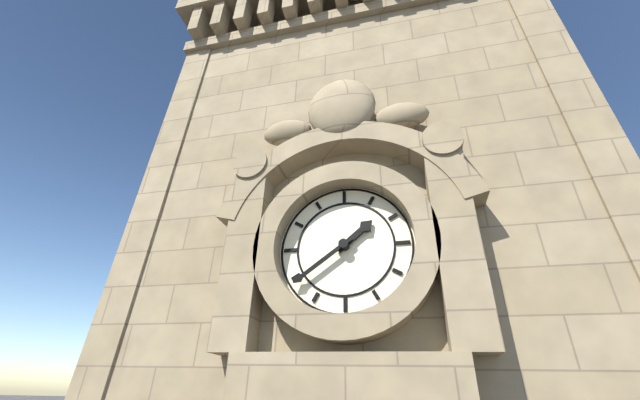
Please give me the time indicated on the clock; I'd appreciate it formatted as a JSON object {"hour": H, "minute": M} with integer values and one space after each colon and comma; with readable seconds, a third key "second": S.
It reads {"hour": 1, "minute": 39}
